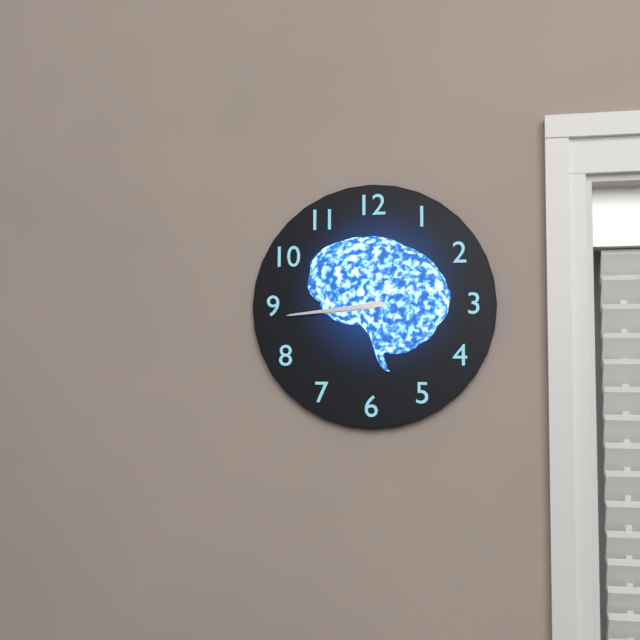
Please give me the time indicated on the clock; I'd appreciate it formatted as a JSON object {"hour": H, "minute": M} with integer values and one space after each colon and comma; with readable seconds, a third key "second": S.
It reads {"hour": 8, "minute": 44}
